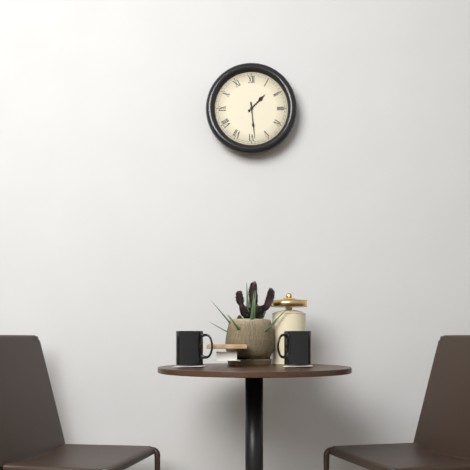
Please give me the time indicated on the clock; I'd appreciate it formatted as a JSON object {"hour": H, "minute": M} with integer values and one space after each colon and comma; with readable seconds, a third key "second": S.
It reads {"hour": 1, "minute": 29}
